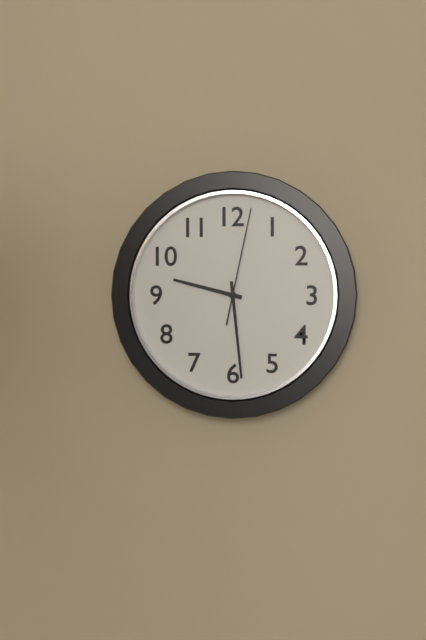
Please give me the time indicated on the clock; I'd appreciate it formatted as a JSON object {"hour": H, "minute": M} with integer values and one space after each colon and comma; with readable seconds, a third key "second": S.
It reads {"hour": 9, "minute": 29, "second": 2}
